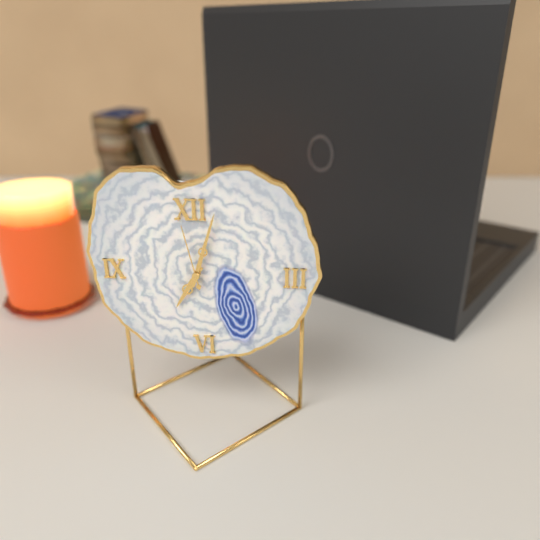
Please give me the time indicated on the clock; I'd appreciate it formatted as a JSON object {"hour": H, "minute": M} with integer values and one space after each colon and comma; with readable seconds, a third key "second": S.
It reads {"hour": 7, "minute": 3, "second": 58}
